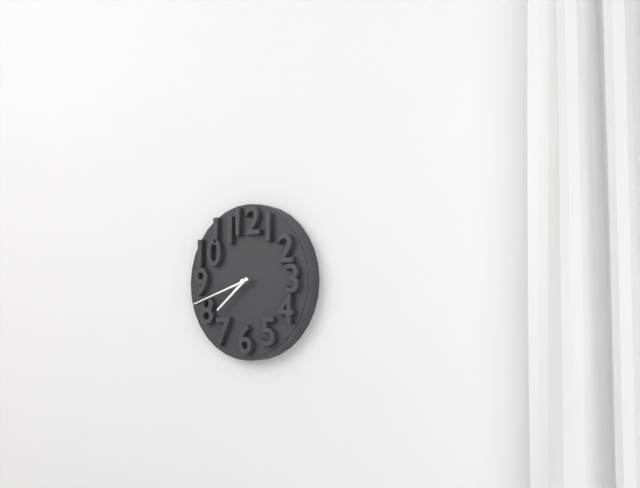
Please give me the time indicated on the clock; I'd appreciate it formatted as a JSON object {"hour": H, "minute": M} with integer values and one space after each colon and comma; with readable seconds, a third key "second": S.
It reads {"hour": 7, "minute": 42}
